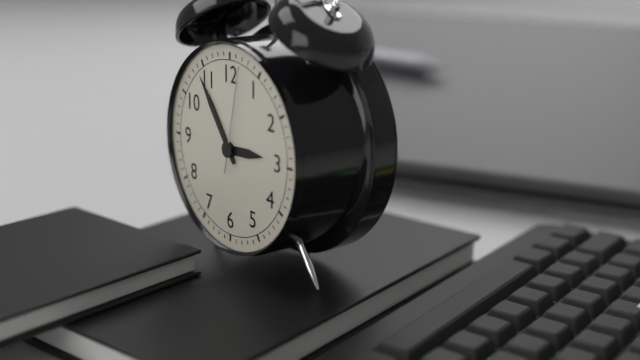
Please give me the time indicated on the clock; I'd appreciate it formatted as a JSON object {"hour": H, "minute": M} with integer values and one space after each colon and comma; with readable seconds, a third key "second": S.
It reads {"hour": 2, "minute": 54, "second": 2}
